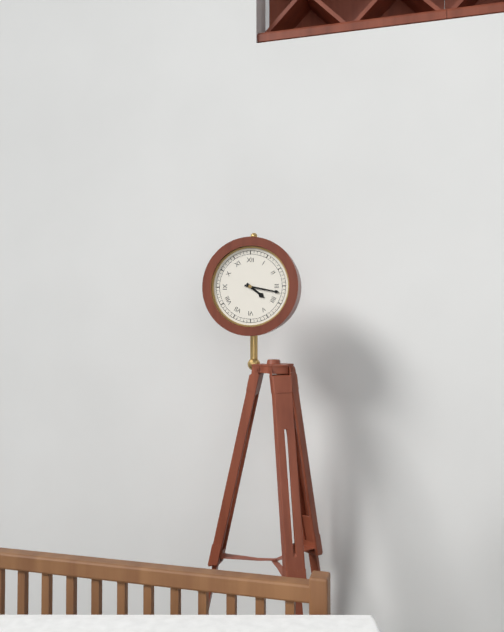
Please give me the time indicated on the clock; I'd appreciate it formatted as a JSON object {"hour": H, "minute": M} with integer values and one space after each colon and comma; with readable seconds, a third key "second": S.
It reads {"hour": 4, "minute": 17}
